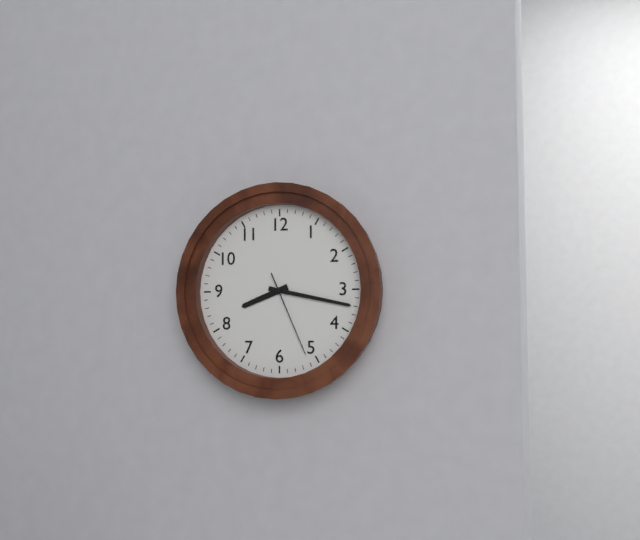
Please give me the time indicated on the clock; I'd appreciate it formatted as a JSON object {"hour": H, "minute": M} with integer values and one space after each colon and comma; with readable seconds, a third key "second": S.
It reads {"hour": 8, "minute": 17, "second": 26}
